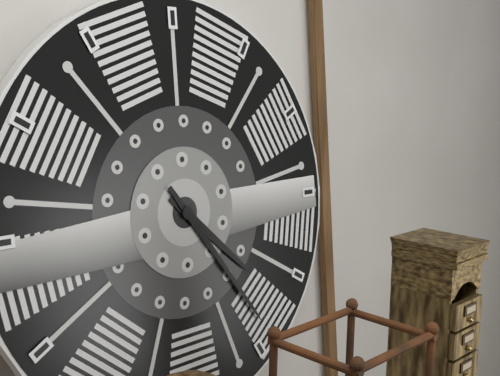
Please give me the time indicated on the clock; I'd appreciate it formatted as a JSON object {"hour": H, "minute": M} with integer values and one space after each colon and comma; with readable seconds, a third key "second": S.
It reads {"hour": 4, "minute": 24}
